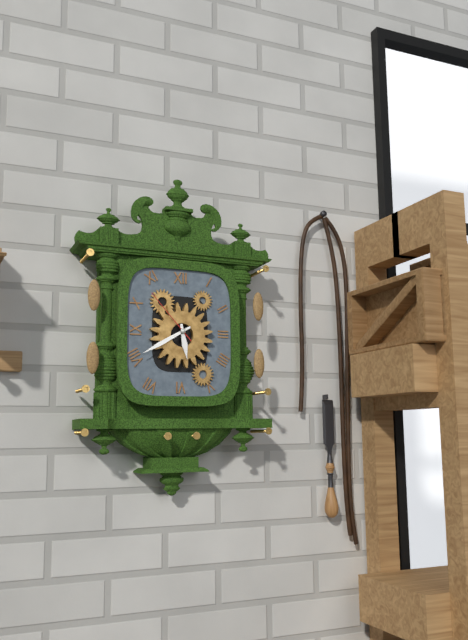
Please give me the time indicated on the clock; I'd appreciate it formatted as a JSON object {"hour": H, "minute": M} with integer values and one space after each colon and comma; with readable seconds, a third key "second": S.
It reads {"hour": 5, "minute": 40, "second": 53}
